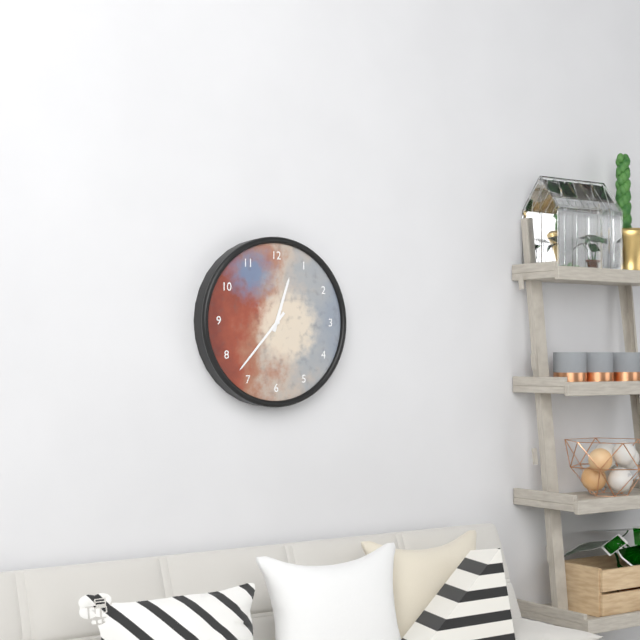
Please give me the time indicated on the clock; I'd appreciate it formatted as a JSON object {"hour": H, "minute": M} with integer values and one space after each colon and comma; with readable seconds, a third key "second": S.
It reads {"hour": 12, "minute": 37}
